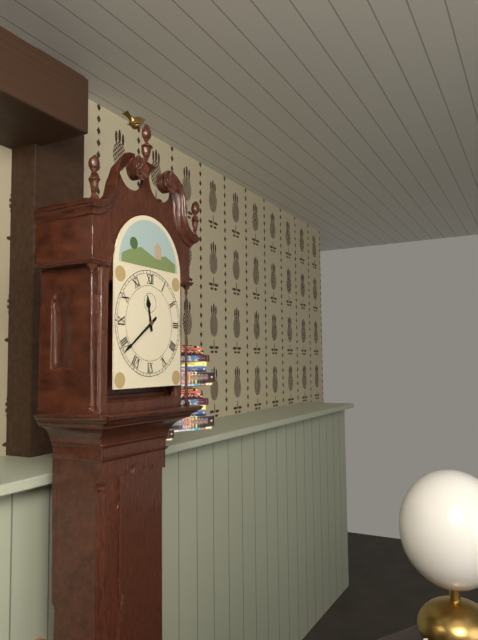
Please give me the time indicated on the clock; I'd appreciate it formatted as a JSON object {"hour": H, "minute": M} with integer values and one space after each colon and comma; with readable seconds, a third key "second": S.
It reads {"hour": 11, "minute": 39}
